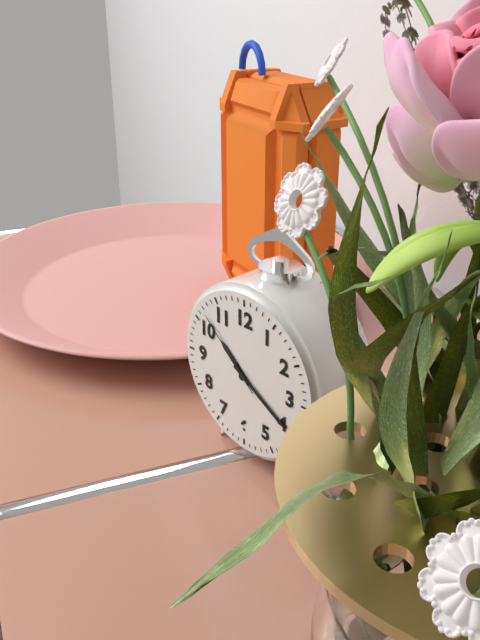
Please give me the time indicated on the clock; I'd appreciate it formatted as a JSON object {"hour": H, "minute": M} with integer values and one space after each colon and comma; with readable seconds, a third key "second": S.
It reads {"hour": 10, "minute": 20, "second": 52}
